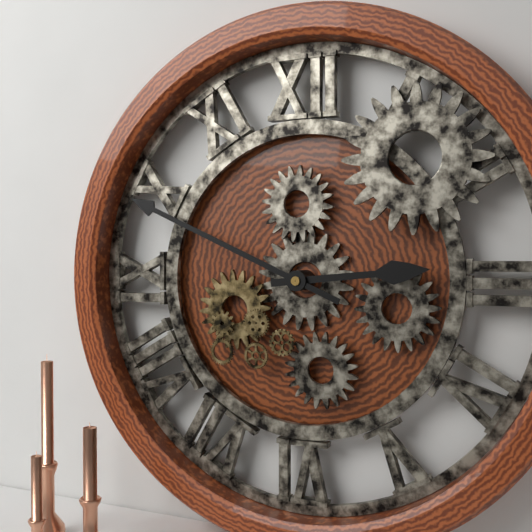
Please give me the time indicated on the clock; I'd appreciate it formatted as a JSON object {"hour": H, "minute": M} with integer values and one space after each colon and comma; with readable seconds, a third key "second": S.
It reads {"hour": 2, "minute": 49}
